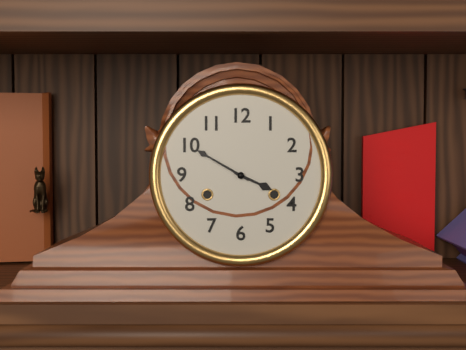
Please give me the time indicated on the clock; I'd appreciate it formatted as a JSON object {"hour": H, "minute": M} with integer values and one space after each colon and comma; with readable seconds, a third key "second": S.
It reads {"hour": 3, "minute": 50}
